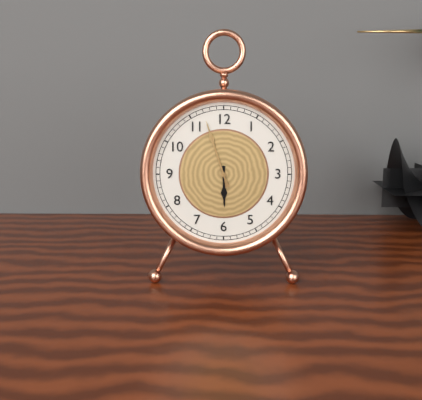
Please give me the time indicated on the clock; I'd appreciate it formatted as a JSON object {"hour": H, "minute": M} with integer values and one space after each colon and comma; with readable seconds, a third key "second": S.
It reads {"hour": 5, "minute": 57}
